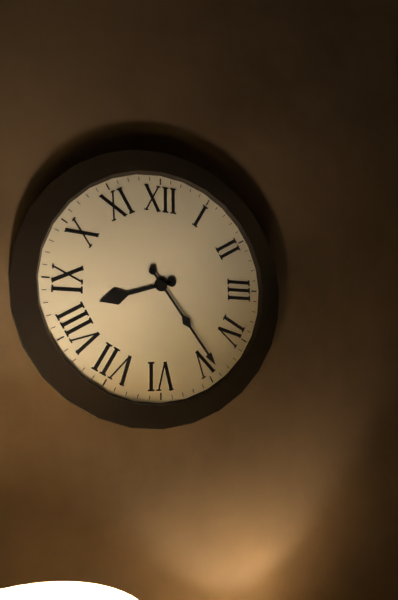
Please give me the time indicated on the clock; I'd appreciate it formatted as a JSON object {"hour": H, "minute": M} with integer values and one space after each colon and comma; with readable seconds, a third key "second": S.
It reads {"hour": 8, "minute": 24}
